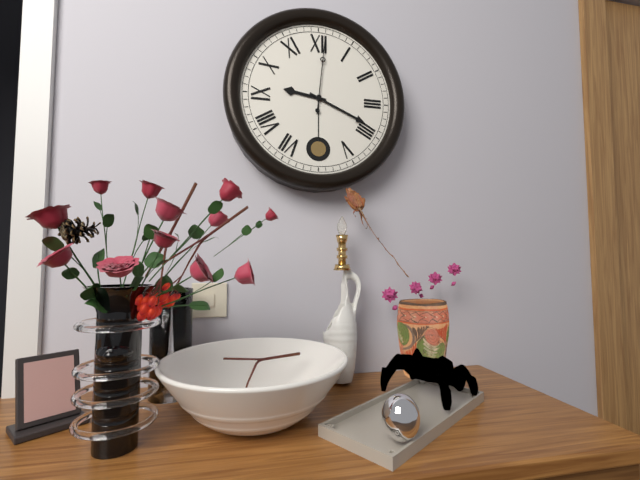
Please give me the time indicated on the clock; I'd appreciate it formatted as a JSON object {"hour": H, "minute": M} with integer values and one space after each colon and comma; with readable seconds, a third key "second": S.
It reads {"hour": 9, "minute": 19, "second": 1}
